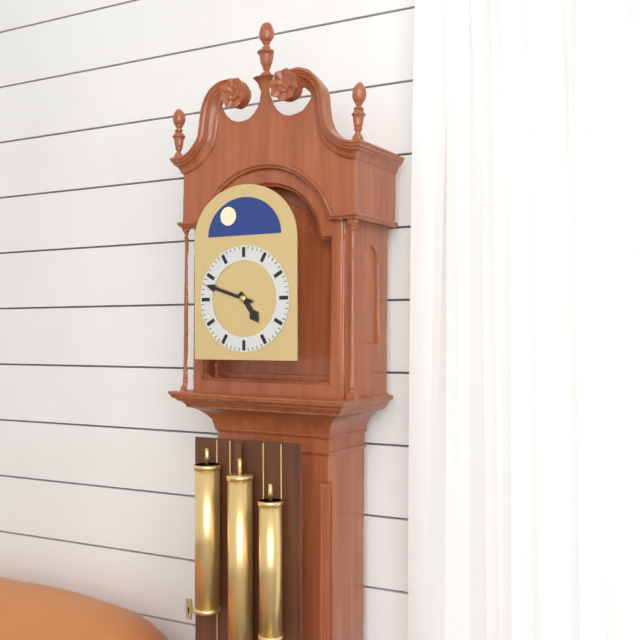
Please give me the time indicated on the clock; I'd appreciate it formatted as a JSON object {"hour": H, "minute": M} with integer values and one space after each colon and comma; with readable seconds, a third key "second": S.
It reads {"hour": 4, "minute": 48}
